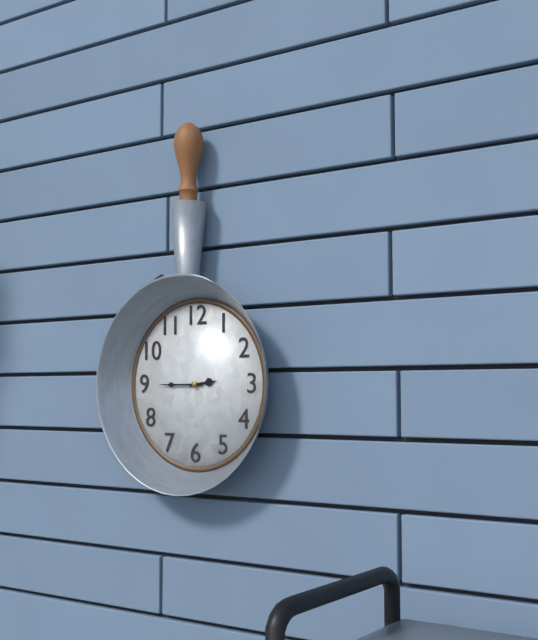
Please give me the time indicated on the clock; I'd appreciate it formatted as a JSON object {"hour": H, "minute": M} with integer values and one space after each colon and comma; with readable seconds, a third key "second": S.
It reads {"hour": 2, "minute": 45}
